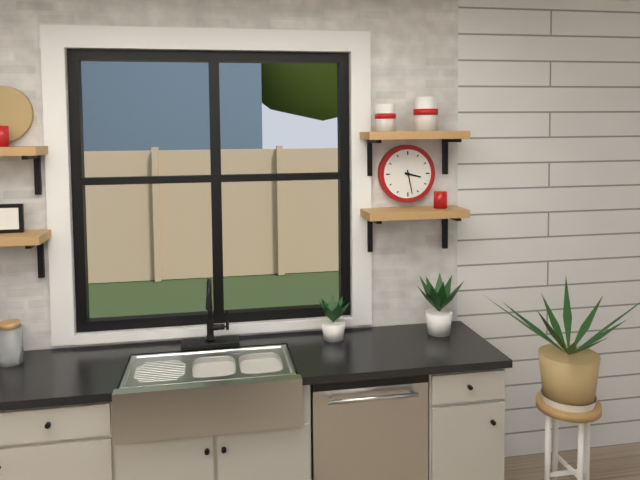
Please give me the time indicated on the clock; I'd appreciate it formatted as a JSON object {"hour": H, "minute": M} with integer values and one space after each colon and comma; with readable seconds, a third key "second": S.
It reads {"hour": 3, "minute": 28}
